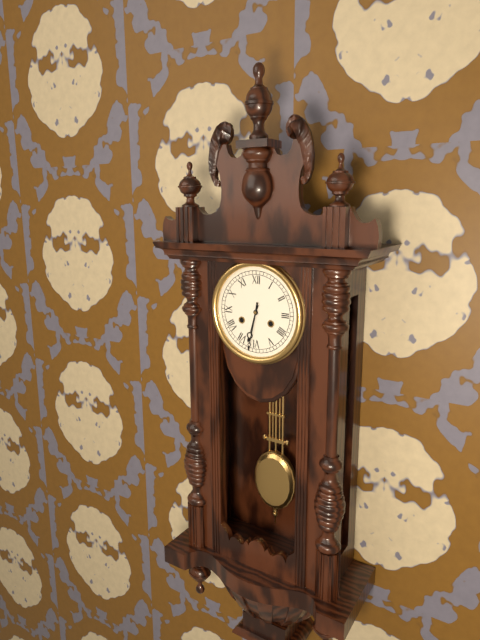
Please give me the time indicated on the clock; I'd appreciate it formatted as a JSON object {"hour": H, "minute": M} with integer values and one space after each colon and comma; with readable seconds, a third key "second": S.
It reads {"hour": 6, "minute": 32}
